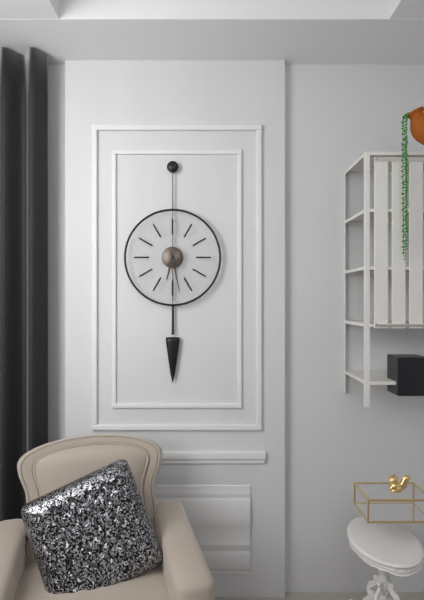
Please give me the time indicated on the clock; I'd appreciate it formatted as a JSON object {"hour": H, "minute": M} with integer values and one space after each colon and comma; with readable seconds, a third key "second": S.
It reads {"hour": 6, "minute": 28}
